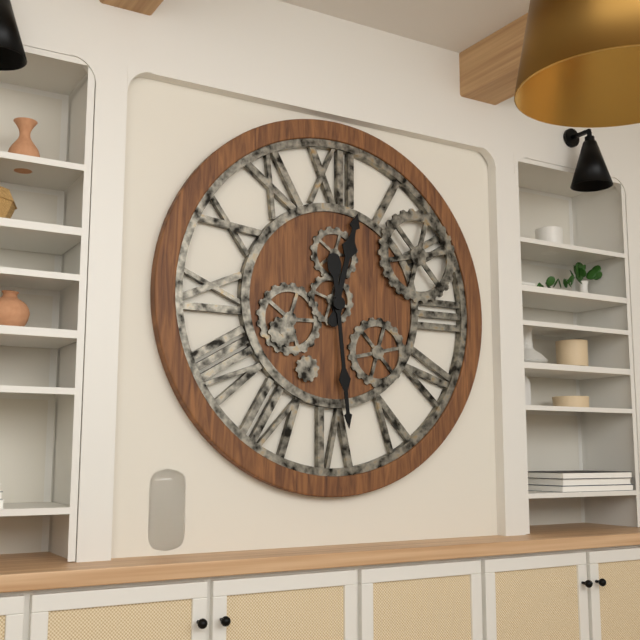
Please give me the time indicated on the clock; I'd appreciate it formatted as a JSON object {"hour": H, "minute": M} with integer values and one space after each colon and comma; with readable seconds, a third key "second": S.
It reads {"hour": 12, "minute": 29}
